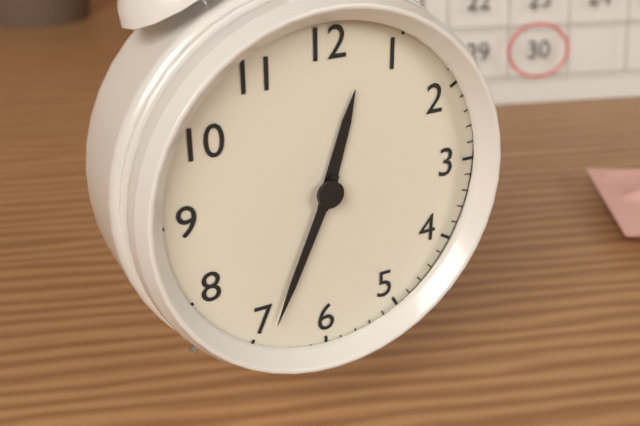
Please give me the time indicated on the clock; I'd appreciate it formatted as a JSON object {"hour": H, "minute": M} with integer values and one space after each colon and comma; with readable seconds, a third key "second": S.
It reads {"hour": 12, "minute": 34}
